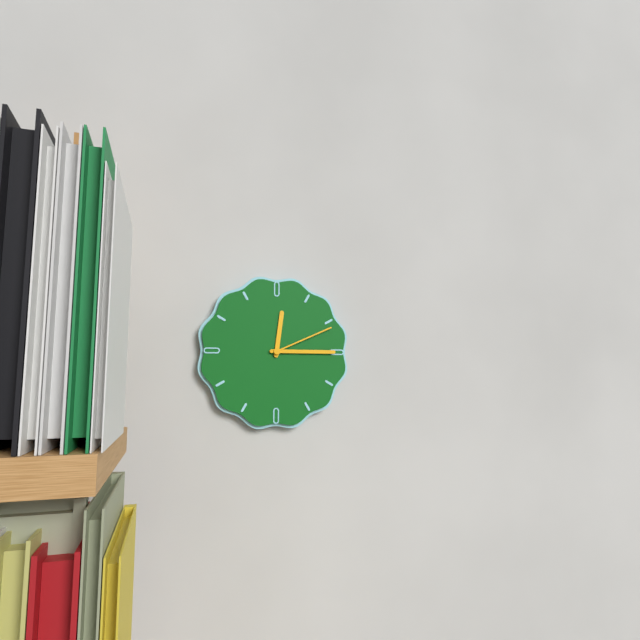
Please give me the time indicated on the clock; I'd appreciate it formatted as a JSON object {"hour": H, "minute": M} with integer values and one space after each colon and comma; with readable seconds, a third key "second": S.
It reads {"hour": 12, "minute": 15, "second": 11}
